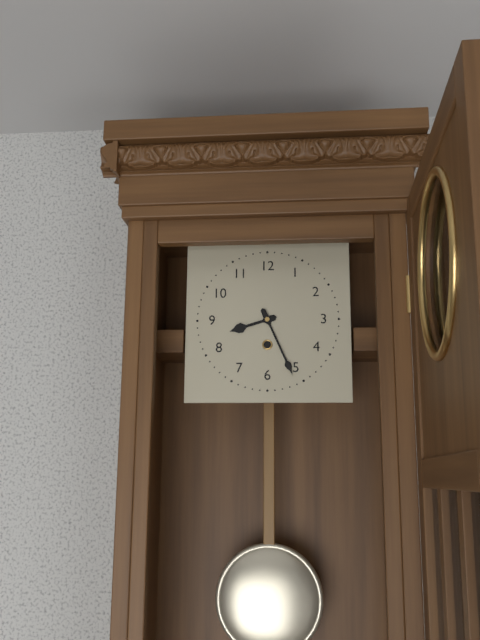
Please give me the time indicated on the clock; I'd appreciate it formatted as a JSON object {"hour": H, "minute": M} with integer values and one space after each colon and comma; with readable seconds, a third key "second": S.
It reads {"hour": 8, "minute": 26}
